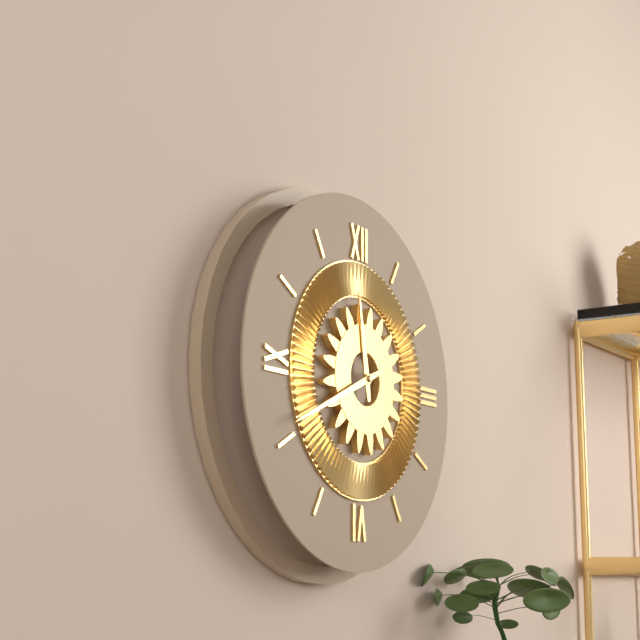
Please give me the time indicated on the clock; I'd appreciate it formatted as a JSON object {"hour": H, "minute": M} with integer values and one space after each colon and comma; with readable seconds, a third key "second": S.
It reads {"hour": 11, "minute": 41}
